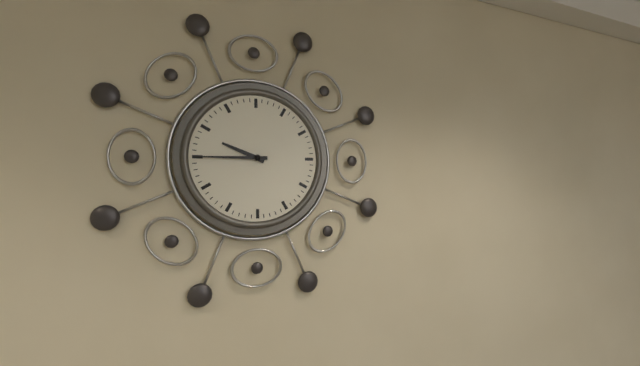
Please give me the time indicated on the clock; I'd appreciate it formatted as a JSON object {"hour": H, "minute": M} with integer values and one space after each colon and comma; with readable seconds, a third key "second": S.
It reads {"hour": 9, "minute": 45}
